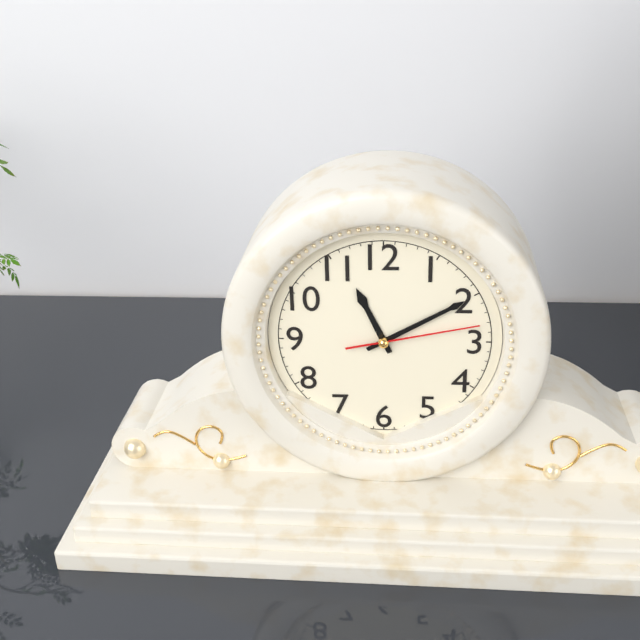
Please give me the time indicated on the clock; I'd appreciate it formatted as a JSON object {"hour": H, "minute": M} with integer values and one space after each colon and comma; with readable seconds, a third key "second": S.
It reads {"hour": 11, "minute": 10, "second": 13}
